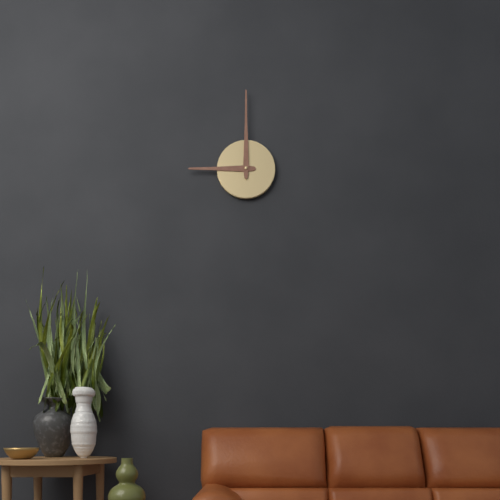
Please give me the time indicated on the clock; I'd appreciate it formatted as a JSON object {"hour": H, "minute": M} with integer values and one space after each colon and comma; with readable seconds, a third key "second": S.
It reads {"hour": 9, "minute": 0}
